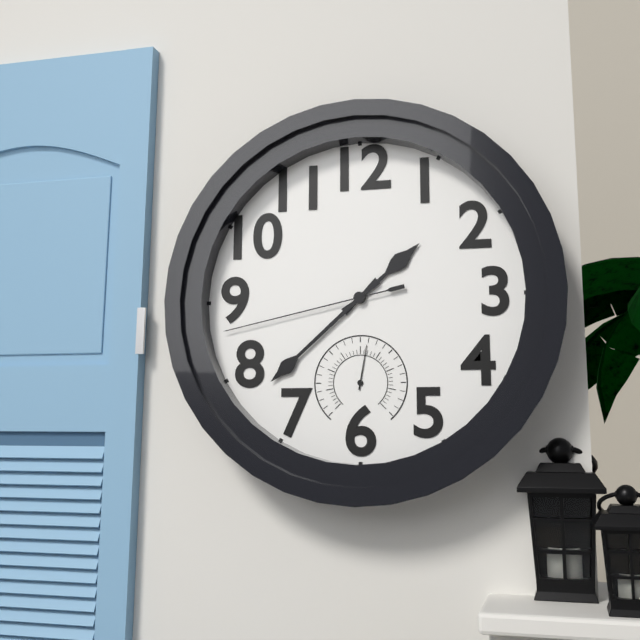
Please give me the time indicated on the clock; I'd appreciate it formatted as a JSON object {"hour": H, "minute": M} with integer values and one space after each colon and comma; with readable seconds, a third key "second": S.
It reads {"hour": 1, "minute": 38, "second": 43}
